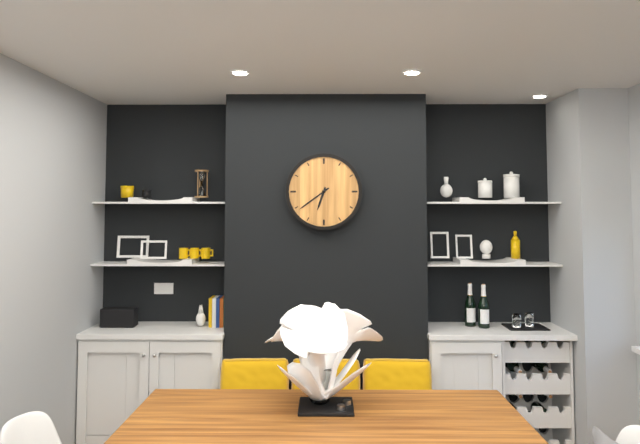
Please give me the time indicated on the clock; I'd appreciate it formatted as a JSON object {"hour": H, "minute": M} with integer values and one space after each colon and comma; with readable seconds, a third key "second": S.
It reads {"hour": 6, "minute": 39}
